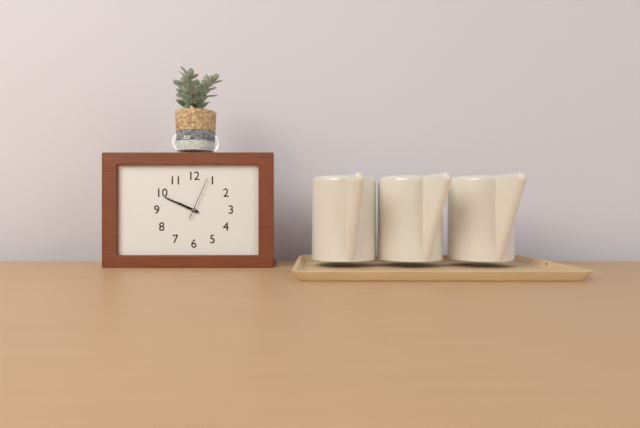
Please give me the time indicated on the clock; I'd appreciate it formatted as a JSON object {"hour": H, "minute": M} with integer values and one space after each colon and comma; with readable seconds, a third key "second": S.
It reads {"hour": 9, "minute": 49}
